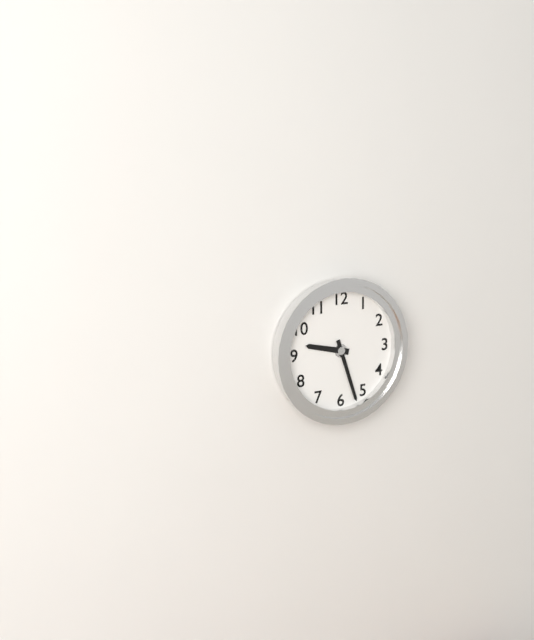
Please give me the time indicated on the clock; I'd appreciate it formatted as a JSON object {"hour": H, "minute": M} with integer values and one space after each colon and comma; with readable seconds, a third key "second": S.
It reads {"hour": 9, "minute": 27}
